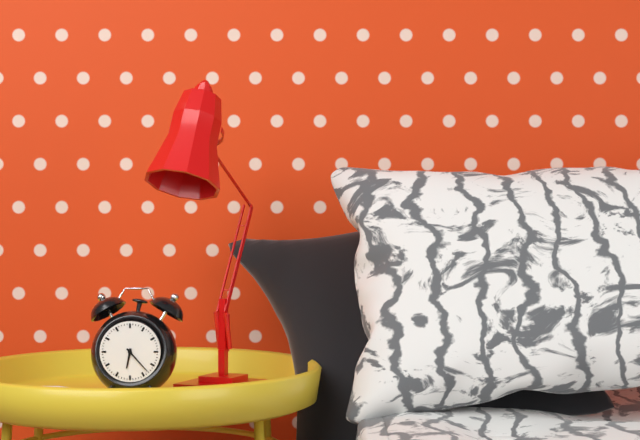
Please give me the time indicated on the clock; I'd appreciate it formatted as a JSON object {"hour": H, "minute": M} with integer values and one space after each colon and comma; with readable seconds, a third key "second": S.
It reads {"hour": 6, "minute": 23}
